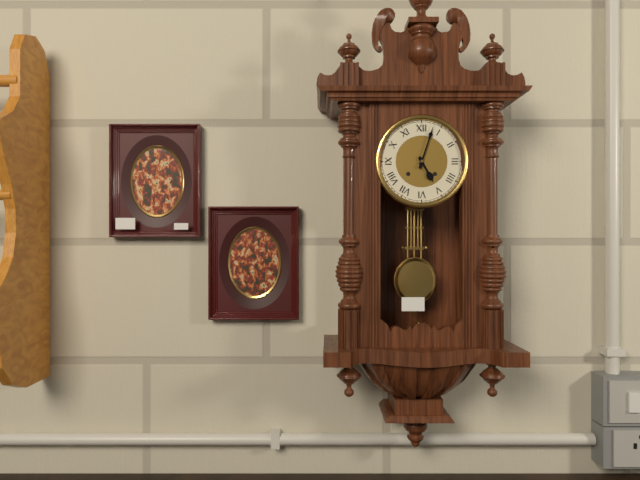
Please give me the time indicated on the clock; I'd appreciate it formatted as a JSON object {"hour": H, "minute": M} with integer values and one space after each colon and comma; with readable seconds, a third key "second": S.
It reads {"hour": 5, "minute": 3}
